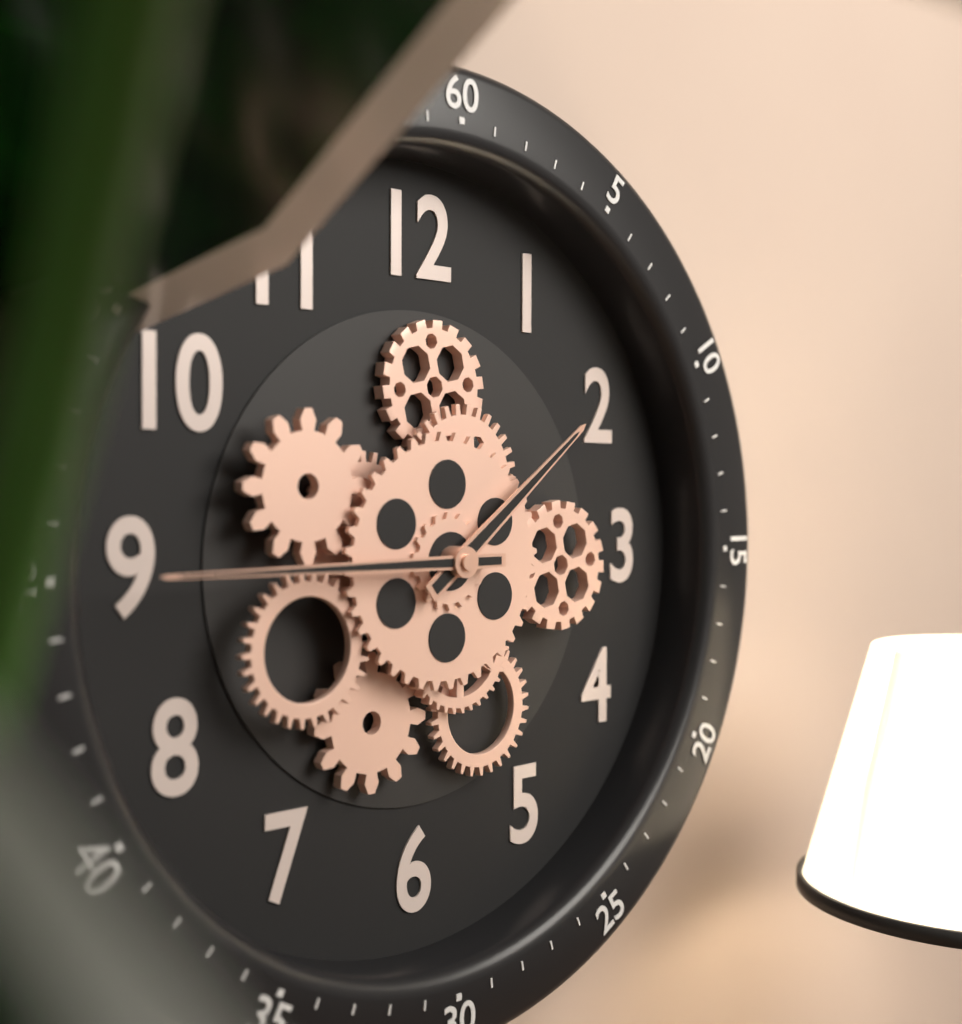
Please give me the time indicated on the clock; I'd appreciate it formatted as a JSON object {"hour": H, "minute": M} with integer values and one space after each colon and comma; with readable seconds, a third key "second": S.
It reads {"hour": 1, "minute": 45}
